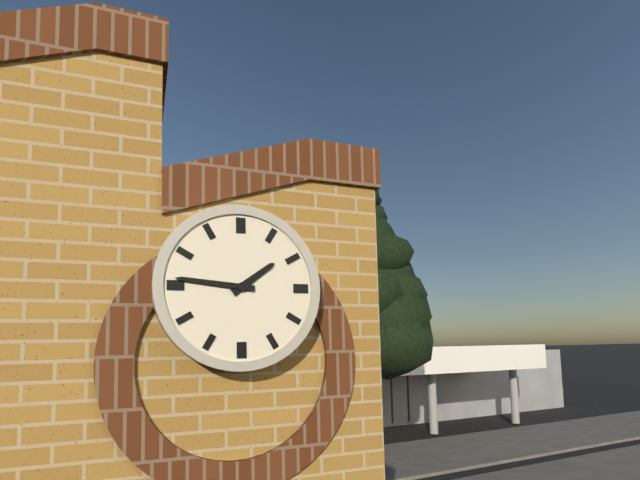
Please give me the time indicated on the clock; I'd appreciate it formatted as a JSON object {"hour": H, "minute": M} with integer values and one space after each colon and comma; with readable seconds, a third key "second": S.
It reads {"hour": 1, "minute": 46}
